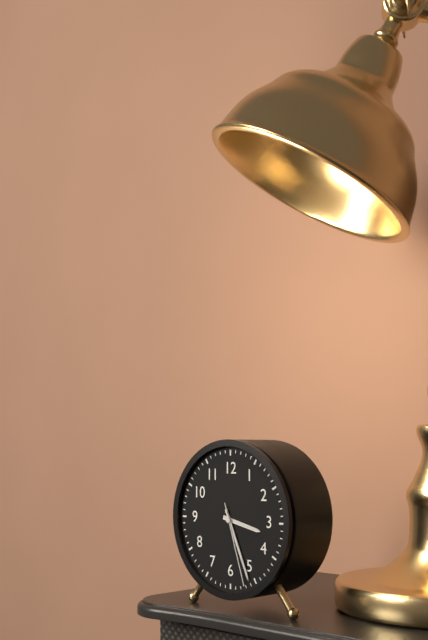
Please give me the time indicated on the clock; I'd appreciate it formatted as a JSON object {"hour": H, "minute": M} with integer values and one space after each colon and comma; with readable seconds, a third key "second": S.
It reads {"hour": 3, "minute": 26, "second": 27}
